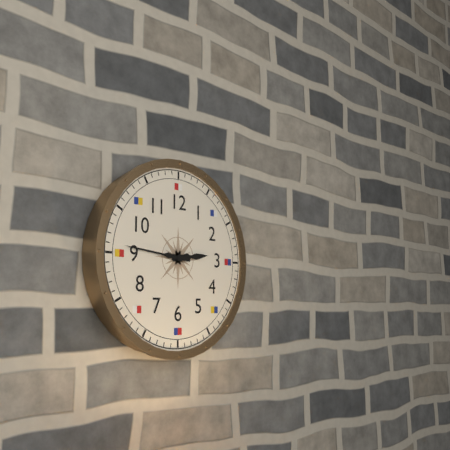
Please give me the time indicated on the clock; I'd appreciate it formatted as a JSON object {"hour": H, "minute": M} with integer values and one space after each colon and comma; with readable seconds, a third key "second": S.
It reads {"hour": 2, "minute": 46}
